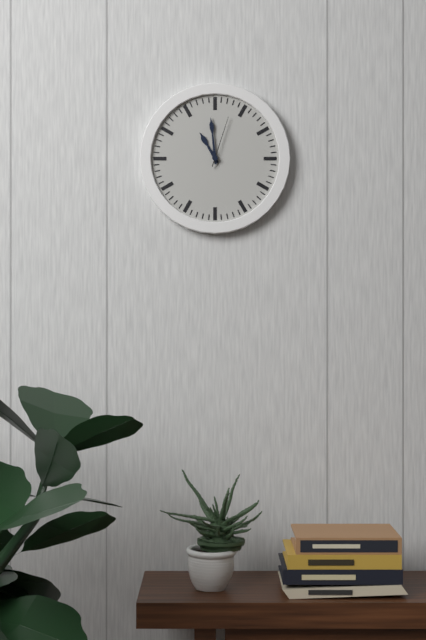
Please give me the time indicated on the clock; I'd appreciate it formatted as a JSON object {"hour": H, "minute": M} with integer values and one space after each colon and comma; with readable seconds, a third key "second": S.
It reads {"hour": 10, "minute": 59, "second": 3}
